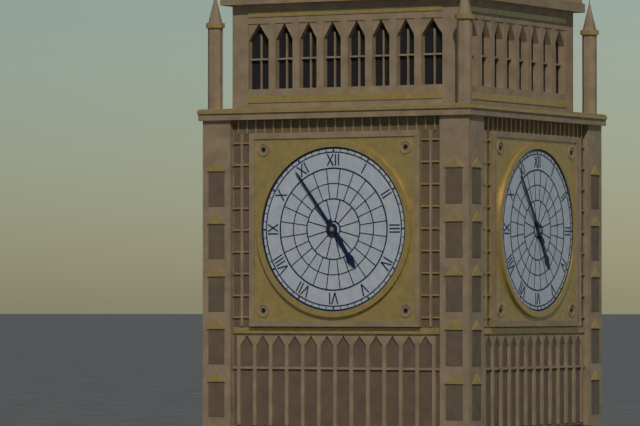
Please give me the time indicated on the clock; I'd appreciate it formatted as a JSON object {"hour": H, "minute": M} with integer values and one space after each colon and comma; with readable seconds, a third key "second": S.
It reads {"hour": 4, "minute": 54}
